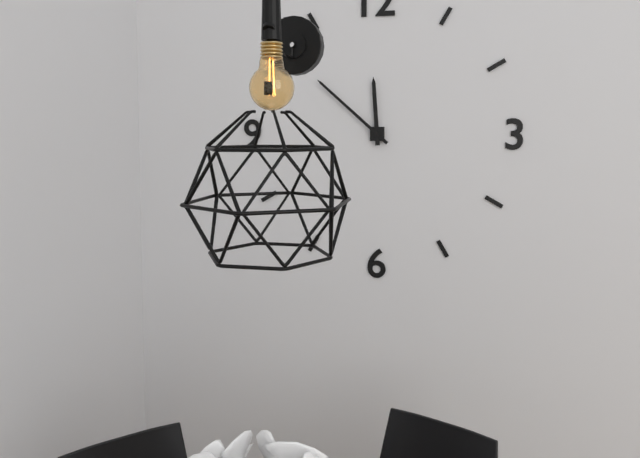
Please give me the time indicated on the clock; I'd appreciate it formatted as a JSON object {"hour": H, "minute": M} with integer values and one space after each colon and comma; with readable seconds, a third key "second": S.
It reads {"hour": 11, "minute": 52}
